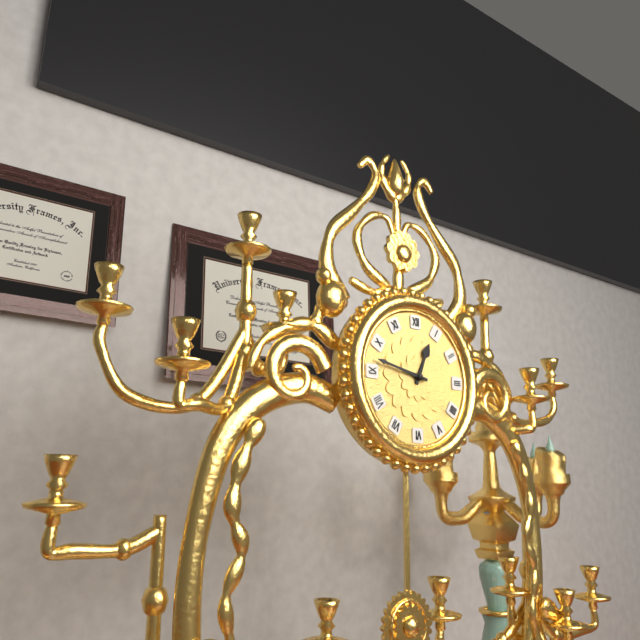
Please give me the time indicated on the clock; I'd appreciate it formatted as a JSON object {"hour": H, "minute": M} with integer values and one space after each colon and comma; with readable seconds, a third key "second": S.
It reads {"hour": 12, "minute": 47}
